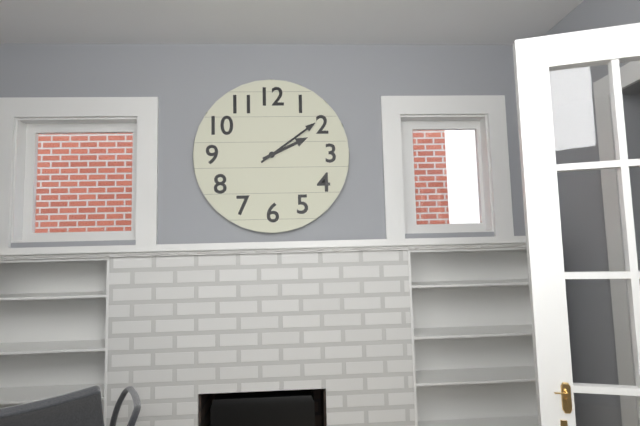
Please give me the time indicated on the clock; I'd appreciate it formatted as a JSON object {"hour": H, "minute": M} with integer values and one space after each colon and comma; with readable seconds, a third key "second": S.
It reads {"hour": 2, "minute": 9}
